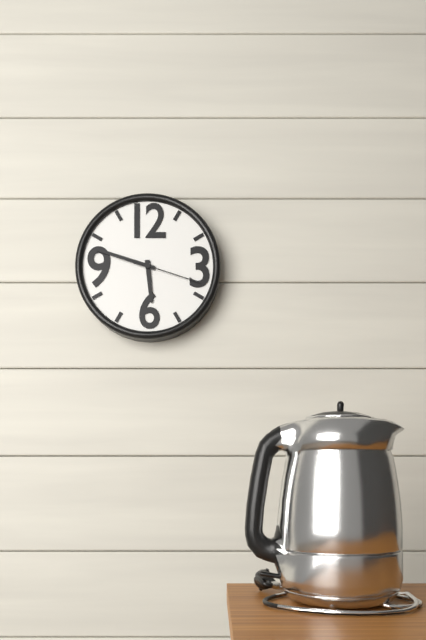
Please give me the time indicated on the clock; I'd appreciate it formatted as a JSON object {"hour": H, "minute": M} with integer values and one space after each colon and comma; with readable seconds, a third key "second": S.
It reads {"hour": 5, "minute": 48, "second": 18}
